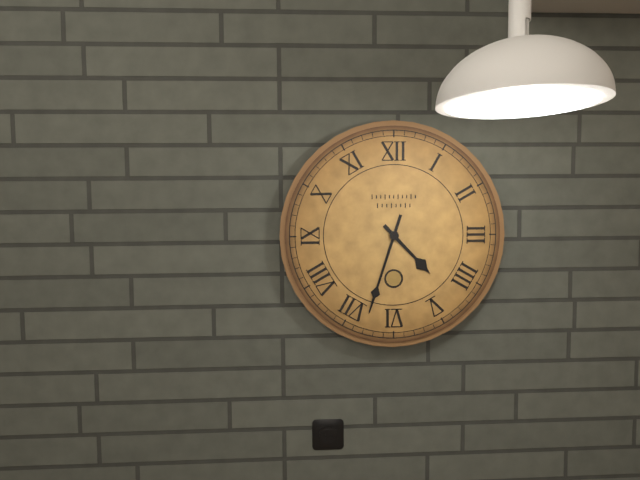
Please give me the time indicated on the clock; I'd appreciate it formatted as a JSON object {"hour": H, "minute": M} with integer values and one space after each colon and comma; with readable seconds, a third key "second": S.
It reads {"hour": 4, "minute": 33}
